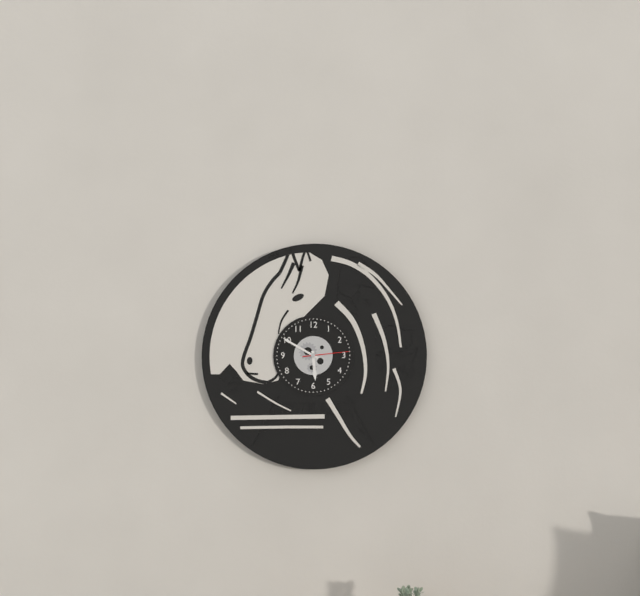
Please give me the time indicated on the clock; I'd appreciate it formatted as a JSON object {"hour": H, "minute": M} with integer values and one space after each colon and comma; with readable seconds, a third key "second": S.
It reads {"hour": 5, "minute": 50}
